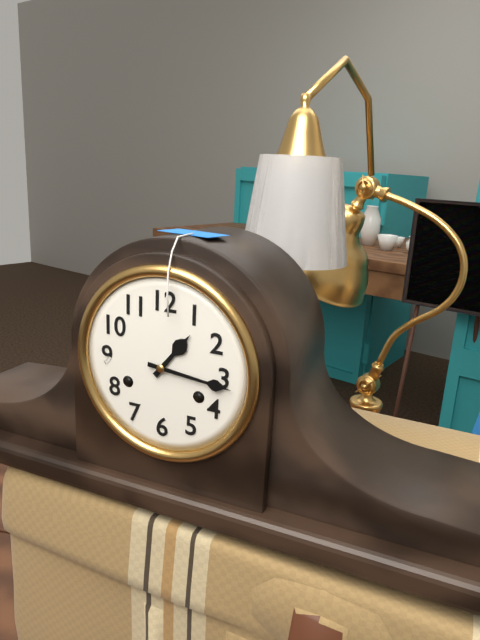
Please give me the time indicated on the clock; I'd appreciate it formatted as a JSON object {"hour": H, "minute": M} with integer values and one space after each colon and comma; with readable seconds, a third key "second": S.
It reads {"hour": 1, "minute": 16}
